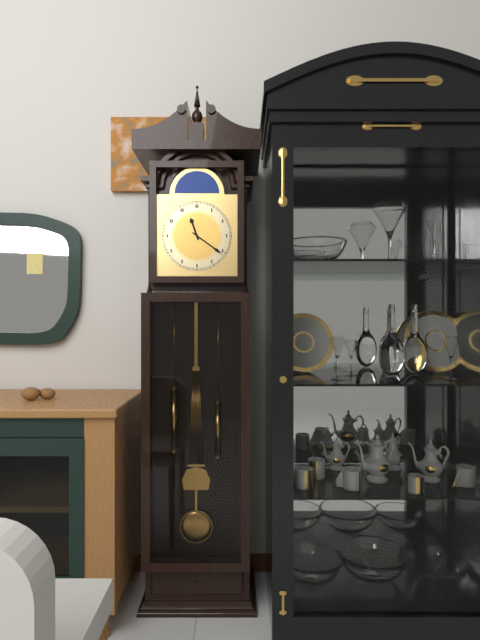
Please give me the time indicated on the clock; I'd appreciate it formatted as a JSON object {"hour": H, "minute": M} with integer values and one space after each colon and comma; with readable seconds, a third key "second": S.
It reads {"hour": 11, "minute": 21}
